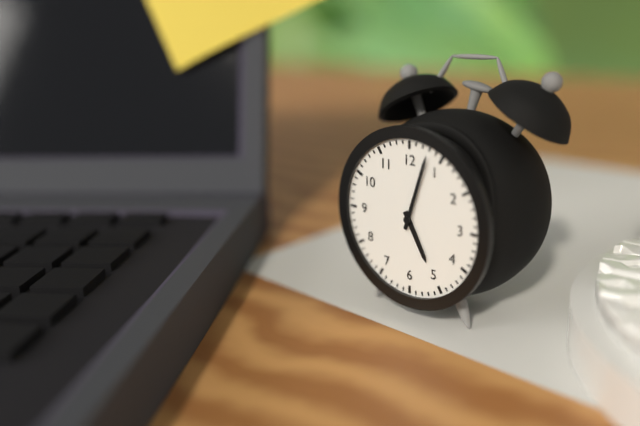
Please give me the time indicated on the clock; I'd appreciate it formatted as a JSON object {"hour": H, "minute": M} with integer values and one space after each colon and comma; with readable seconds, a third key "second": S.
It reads {"hour": 5, "minute": 3}
